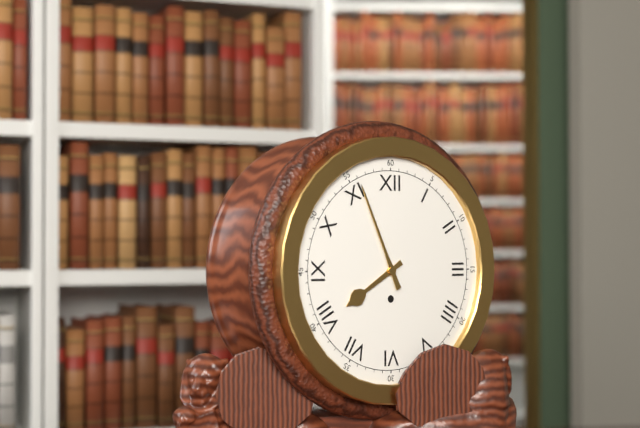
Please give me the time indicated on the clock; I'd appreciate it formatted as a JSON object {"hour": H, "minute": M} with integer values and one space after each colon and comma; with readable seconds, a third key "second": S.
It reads {"hour": 7, "minute": 56}
